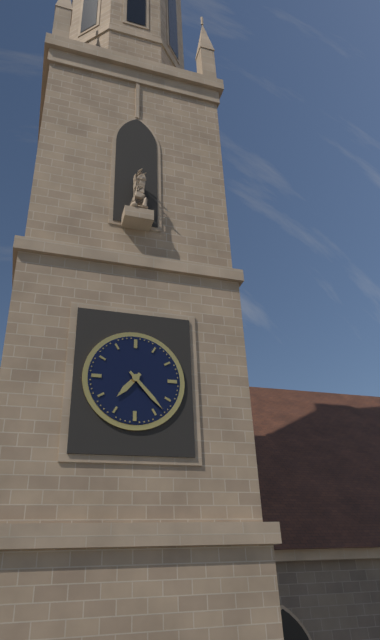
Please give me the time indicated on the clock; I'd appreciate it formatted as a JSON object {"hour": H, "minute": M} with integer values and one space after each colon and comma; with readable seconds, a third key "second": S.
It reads {"hour": 7, "minute": 23}
